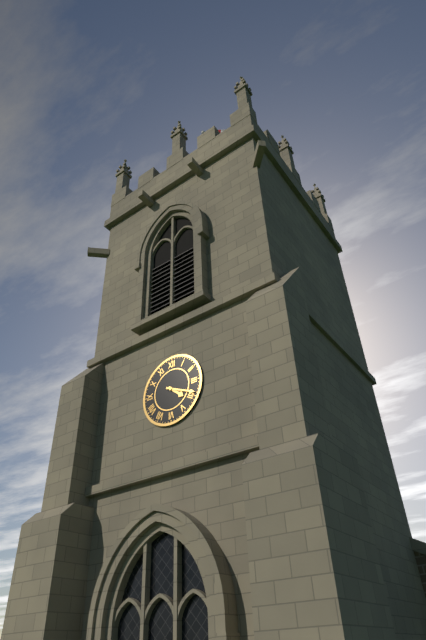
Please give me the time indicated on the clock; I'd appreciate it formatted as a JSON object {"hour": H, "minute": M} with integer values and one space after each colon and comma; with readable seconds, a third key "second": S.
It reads {"hour": 4, "minute": 19}
